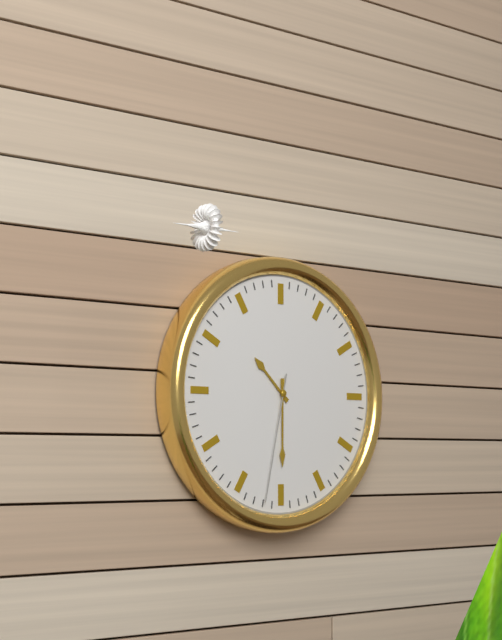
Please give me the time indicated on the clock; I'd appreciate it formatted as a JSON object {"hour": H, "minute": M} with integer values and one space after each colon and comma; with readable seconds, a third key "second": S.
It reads {"hour": 10, "minute": 30, "second": 32}
